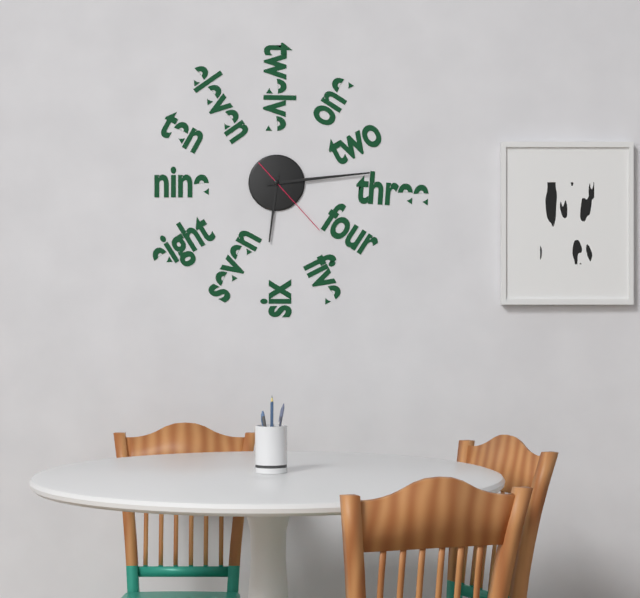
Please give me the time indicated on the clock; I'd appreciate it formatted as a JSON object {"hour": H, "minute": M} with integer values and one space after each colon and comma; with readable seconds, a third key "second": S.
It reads {"hour": 6, "minute": 14, "second": 23}
